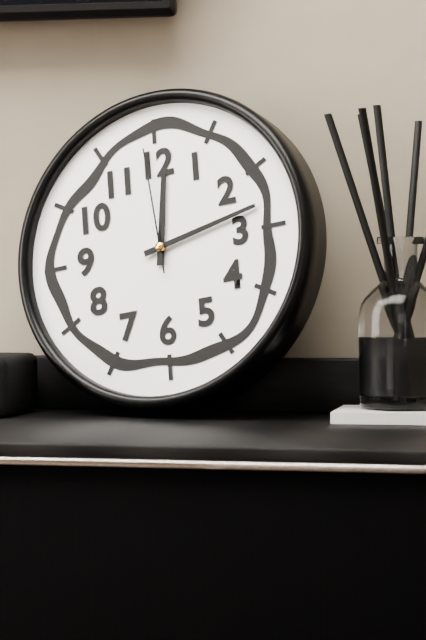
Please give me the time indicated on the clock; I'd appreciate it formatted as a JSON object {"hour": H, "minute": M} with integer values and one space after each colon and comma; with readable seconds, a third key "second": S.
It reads {"hour": 12, "minute": 13, "second": 59}
